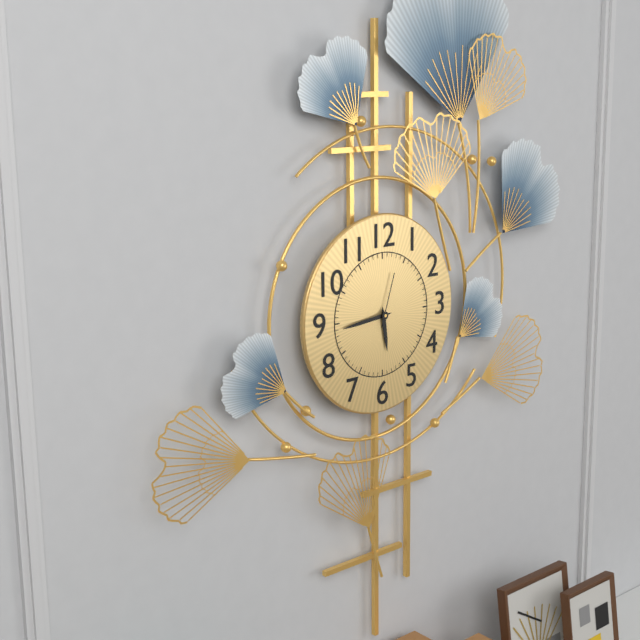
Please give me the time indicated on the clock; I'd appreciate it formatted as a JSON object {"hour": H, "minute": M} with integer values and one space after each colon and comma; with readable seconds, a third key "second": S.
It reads {"hour": 5, "minute": 44, "second": 3}
